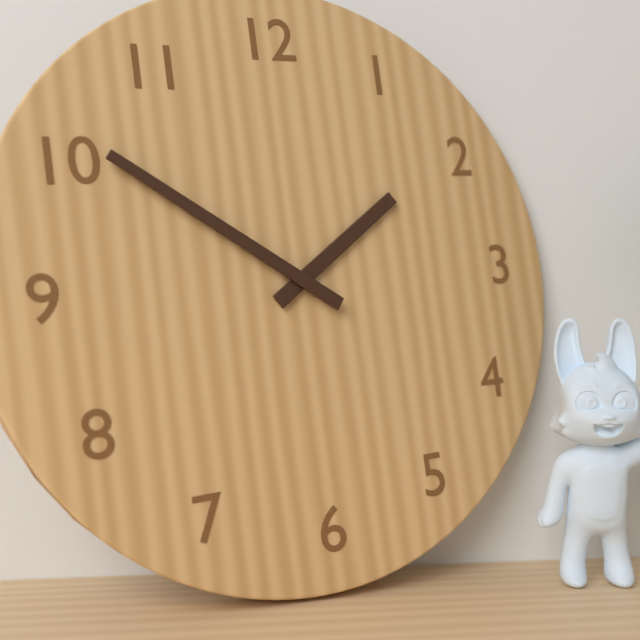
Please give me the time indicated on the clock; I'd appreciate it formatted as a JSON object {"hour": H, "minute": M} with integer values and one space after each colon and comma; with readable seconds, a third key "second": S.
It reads {"hour": 1, "minute": 51}
